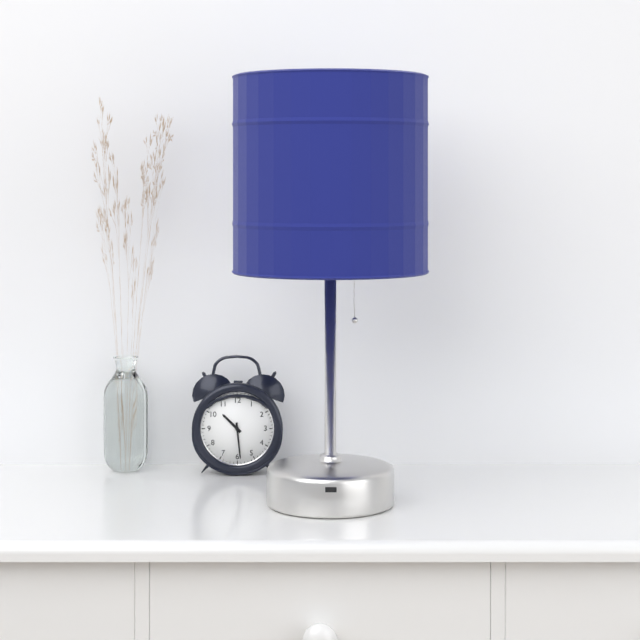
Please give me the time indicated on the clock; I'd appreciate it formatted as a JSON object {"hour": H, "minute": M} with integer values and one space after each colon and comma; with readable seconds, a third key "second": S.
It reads {"hour": 10, "minute": 29}
